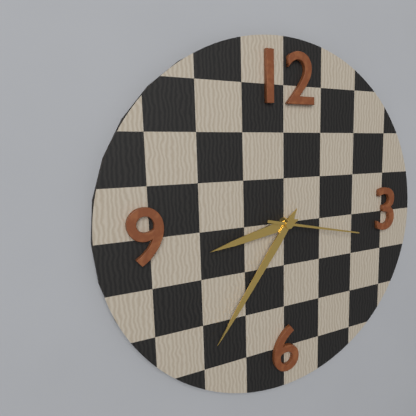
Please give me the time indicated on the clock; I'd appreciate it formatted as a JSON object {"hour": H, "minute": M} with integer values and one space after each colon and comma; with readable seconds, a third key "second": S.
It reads {"hour": 8, "minute": 36, "second": 17}
